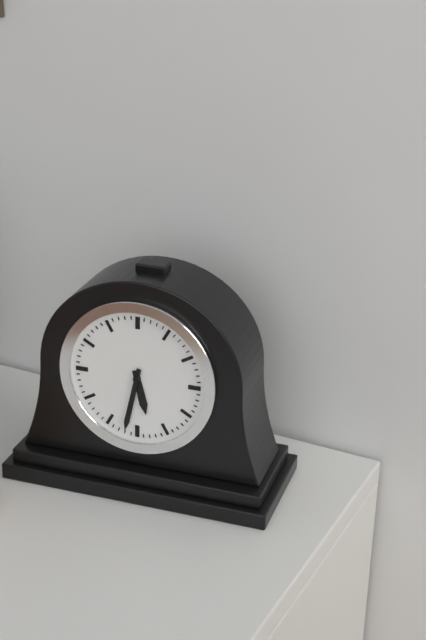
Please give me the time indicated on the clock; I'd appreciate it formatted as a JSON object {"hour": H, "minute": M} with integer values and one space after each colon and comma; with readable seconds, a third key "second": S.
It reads {"hour": 5, "minute": 32}
